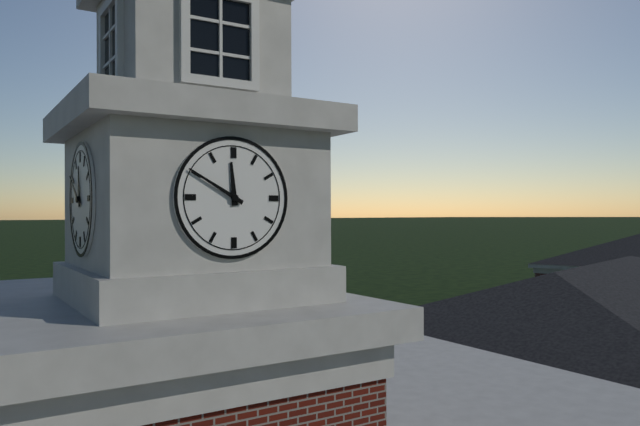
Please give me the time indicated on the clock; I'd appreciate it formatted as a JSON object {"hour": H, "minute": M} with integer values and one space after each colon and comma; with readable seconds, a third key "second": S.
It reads {"hour": 11, "minute": 50}
